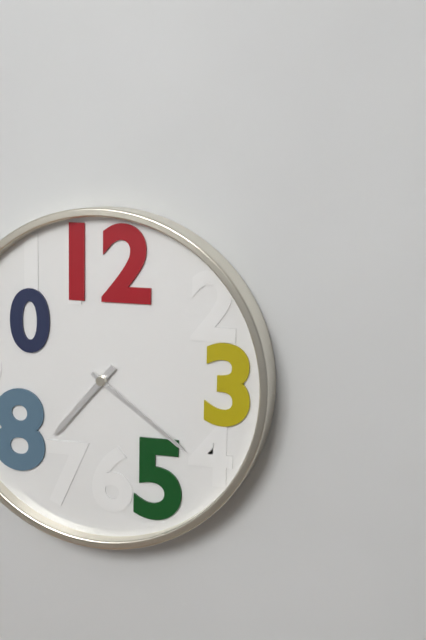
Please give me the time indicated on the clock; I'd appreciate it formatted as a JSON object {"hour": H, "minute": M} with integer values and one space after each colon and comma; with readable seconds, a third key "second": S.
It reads {"hour": 7, "minute": 21}
